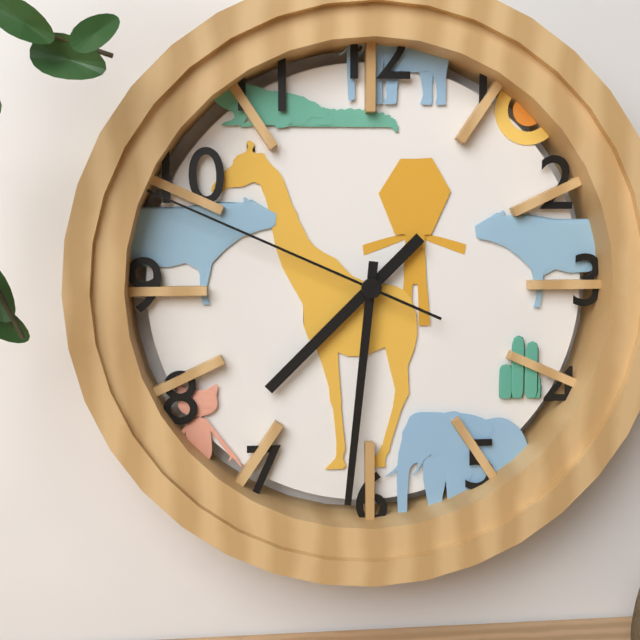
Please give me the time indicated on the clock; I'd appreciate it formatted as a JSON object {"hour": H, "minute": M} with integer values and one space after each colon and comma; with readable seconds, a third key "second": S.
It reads {"hour": 7, "minute": 31, "second": 49}
